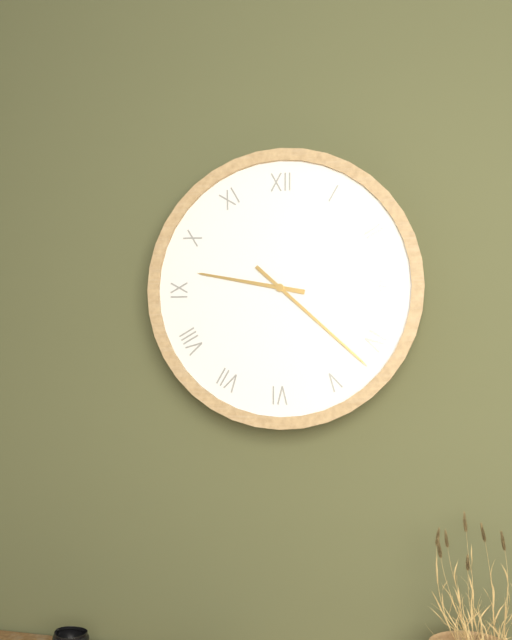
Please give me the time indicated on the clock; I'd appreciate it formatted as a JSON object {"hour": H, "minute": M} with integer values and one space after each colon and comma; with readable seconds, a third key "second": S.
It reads {"hour": 9, "minute": 22}
